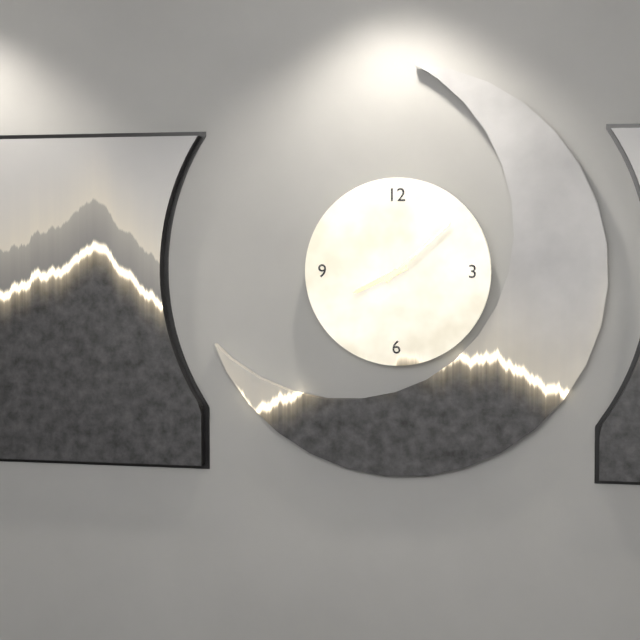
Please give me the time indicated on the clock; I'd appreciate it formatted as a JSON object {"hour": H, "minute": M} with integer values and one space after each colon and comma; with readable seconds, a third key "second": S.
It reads {"hour": 8, "minute": 8}
